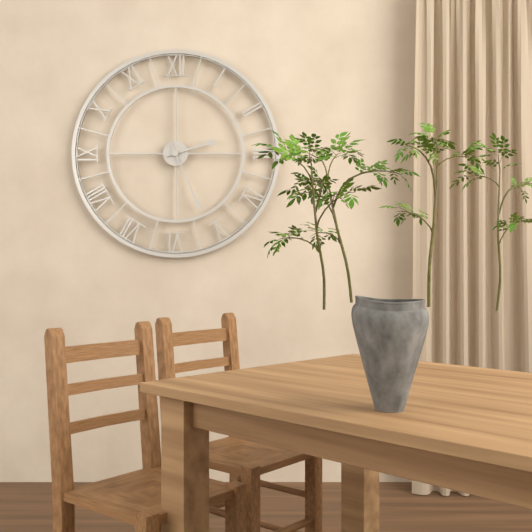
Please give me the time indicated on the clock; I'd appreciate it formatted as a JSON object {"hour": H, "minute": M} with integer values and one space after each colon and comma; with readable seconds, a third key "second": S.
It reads {"hour": 2, "minute": 26}
